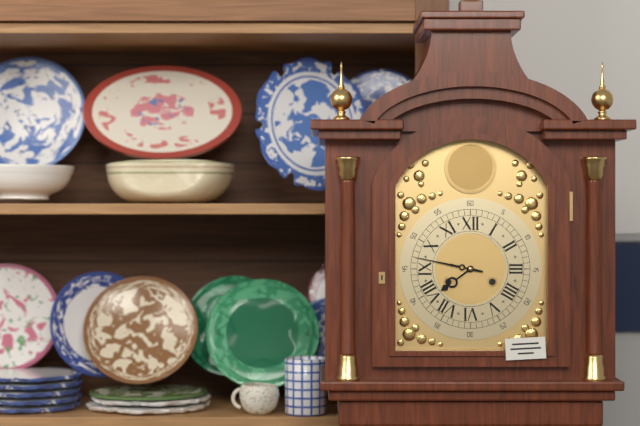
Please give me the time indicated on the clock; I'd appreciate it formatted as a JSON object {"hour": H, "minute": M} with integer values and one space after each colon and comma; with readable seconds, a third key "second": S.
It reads {"hour": 7, "minute": 47}
